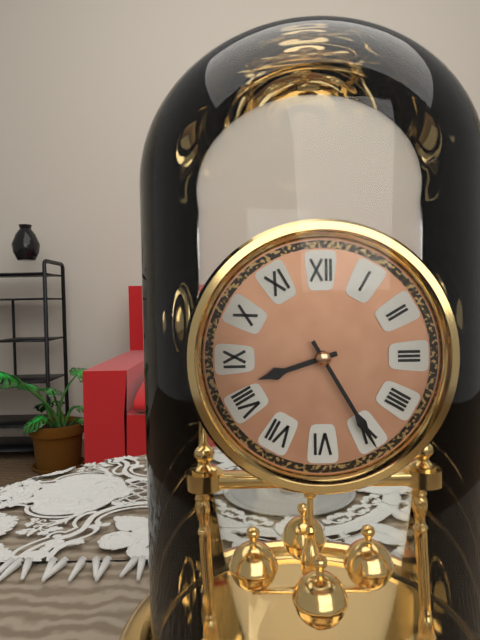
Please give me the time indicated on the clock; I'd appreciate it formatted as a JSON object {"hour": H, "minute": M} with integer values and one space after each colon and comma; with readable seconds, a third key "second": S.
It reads {"hour": 8, "minute": 25}
